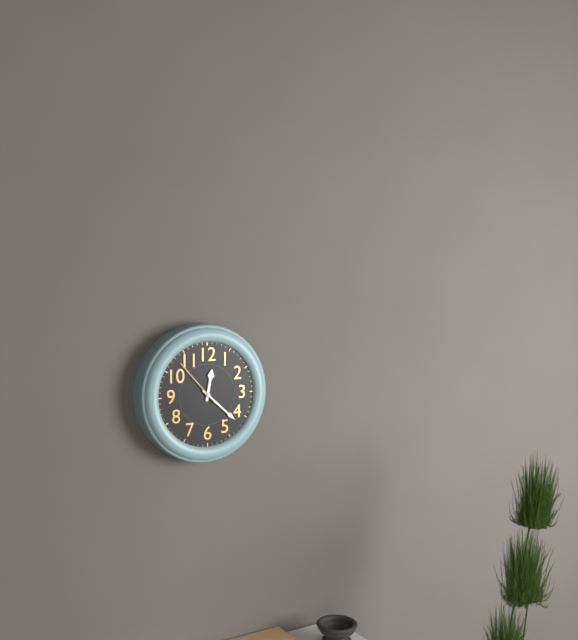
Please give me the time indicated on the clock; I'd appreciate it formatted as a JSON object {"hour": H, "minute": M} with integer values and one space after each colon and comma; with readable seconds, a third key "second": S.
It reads {"hour": 12, "minute": 22, "second": 53}
